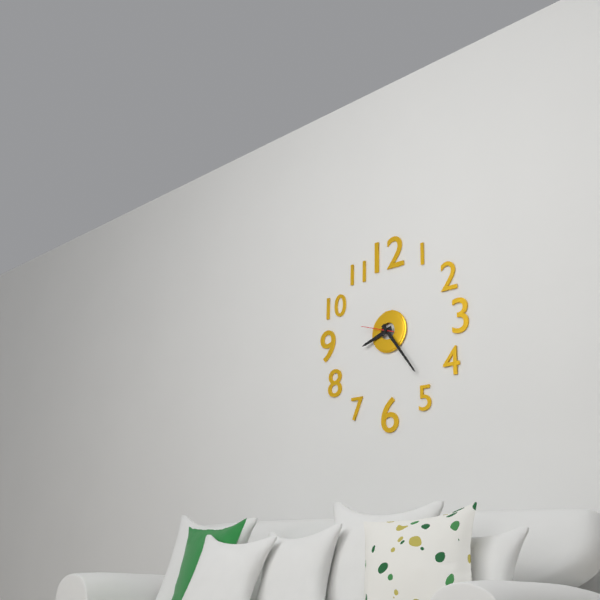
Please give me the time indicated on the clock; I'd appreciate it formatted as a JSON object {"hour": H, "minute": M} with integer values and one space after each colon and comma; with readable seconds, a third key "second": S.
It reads {"hour": 8, "minute": 24}
